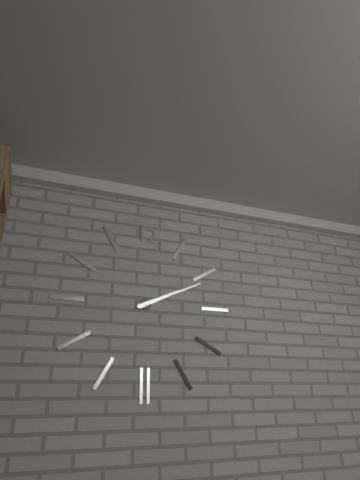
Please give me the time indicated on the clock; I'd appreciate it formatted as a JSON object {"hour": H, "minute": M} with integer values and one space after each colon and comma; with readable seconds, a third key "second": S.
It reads {"hour": 2, "minute": 11}
